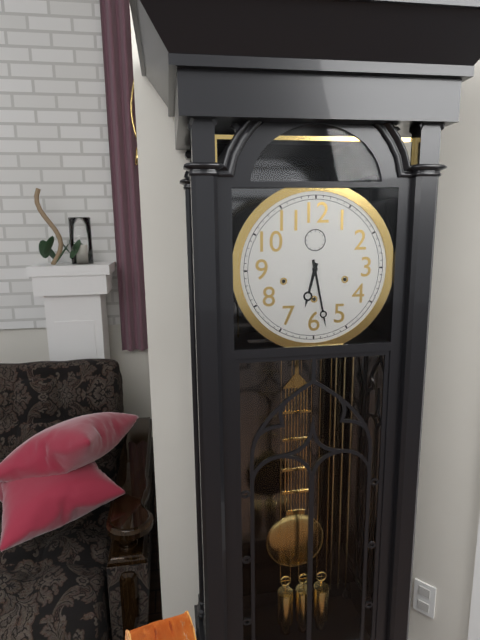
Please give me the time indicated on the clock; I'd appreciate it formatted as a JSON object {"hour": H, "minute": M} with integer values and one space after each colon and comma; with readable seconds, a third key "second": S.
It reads {"hour": 6, "minute": 28}
